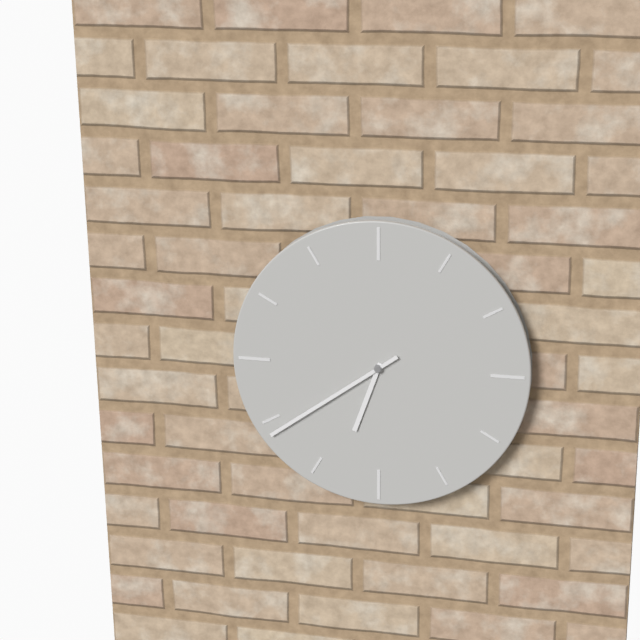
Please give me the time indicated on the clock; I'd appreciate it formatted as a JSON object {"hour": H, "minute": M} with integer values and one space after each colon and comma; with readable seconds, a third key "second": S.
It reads {"hour": 6, "minute": 39}
